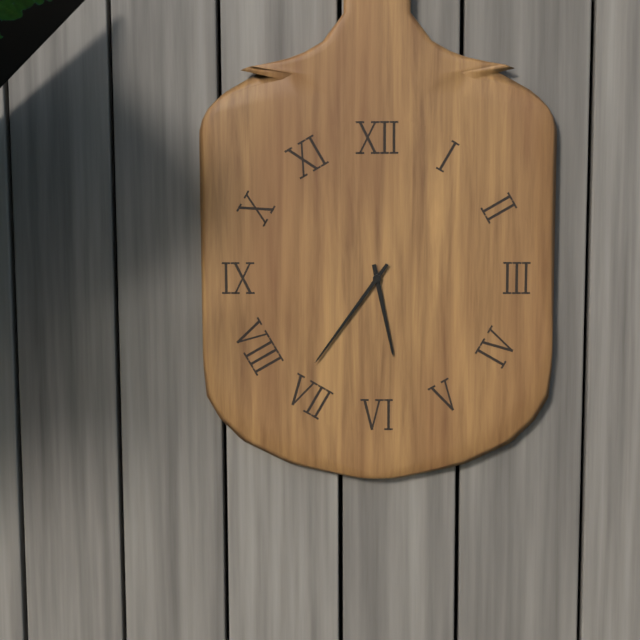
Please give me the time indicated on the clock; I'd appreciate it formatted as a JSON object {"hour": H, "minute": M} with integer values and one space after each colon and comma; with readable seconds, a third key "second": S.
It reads {"hour": 5, "minute": 36}
